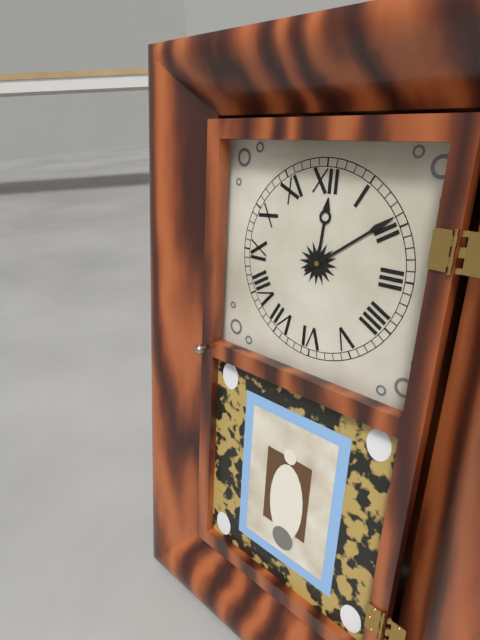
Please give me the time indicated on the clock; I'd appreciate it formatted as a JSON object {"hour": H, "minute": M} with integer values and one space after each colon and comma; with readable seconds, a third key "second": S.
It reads {"hour": 12, "minute": 9}
